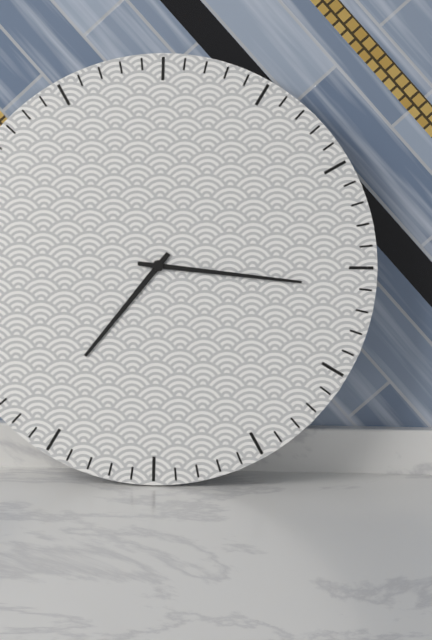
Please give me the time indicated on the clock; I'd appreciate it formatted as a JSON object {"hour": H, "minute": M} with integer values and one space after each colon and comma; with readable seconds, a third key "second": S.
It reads {"hour": 7, "minute": 16}
